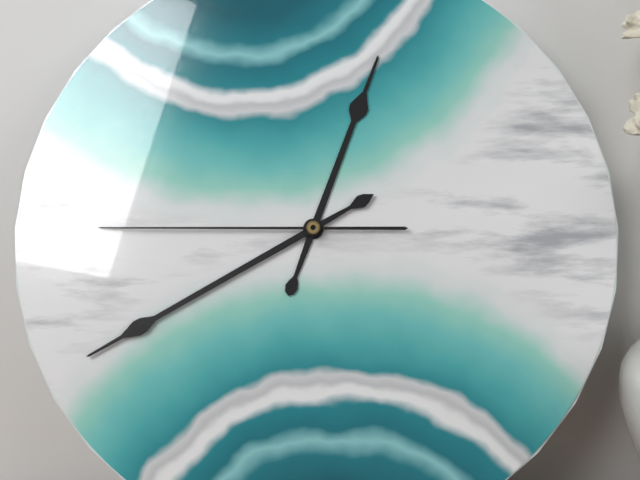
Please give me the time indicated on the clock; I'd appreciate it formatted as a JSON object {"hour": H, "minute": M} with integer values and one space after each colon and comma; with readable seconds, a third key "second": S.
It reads {"hour": 12, "minute": 40, "second": 45}
